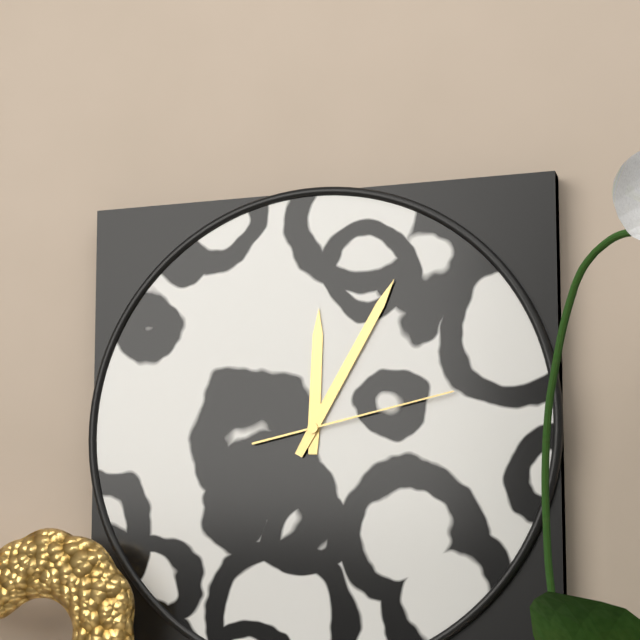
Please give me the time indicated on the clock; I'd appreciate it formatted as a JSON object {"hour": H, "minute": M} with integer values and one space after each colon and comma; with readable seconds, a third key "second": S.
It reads {"hour": 12, "minute": 5, "second": 13}
